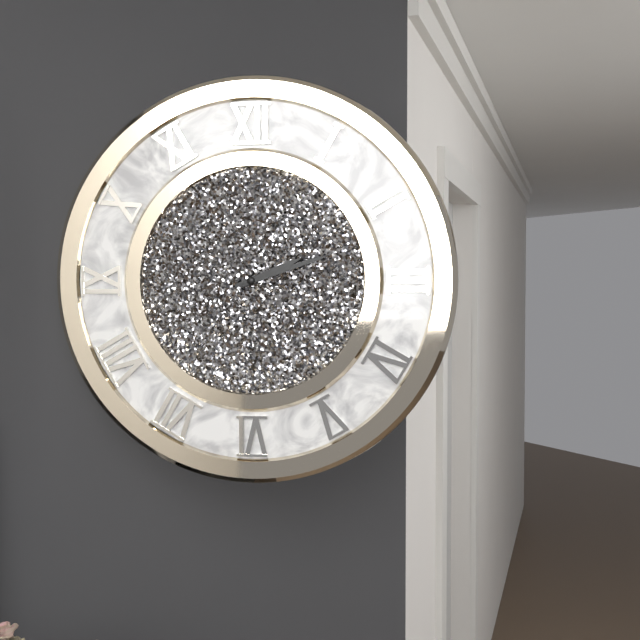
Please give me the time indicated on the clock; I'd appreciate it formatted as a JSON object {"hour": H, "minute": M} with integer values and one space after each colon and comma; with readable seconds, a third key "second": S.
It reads {"hour": 2, "minute": 12}
